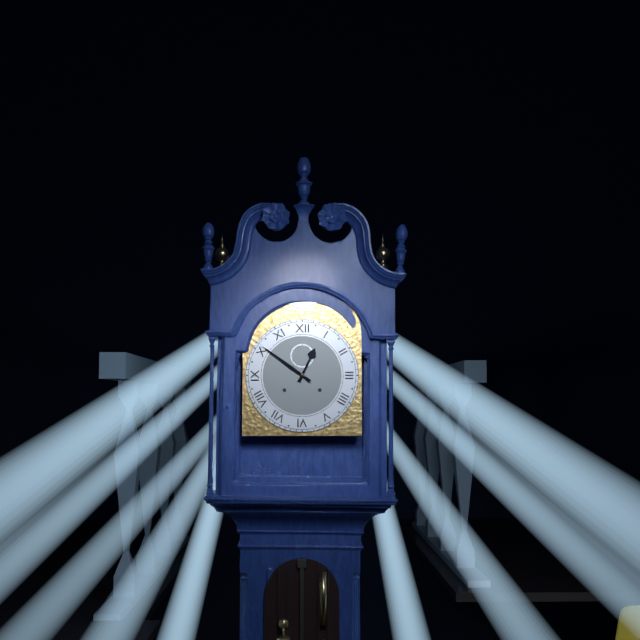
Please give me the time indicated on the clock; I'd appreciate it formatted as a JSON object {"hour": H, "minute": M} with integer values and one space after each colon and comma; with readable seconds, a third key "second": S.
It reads {"hour": 12, "minute": 51}
